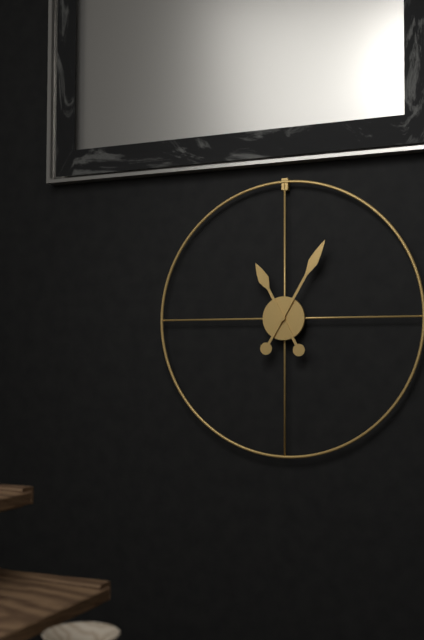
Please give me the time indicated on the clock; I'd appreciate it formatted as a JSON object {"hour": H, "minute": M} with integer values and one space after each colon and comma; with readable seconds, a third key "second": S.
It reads {"hour": 11, "minute": 5}
